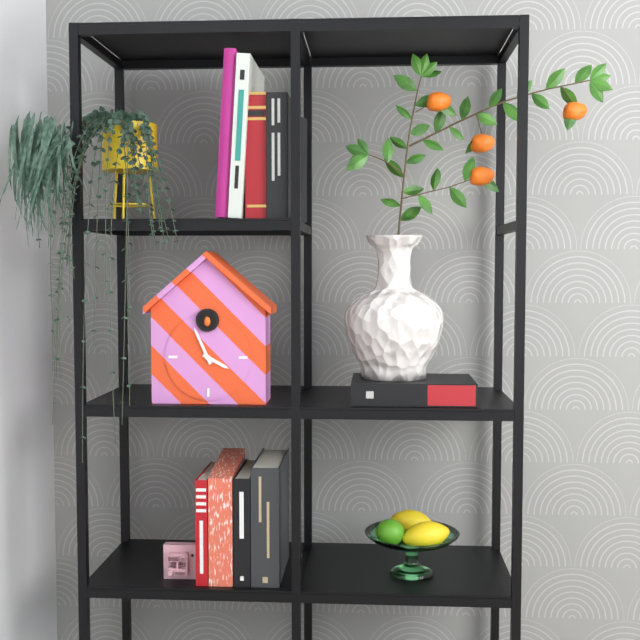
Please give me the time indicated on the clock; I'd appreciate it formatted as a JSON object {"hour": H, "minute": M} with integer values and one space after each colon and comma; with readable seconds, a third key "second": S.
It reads {"hour": 3, "minute": 56}
